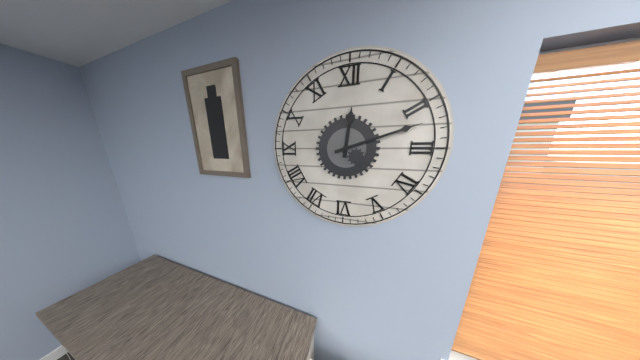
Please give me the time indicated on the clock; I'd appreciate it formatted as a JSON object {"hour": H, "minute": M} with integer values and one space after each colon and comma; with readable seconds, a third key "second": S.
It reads {"hour": 12, "minute": 12}
